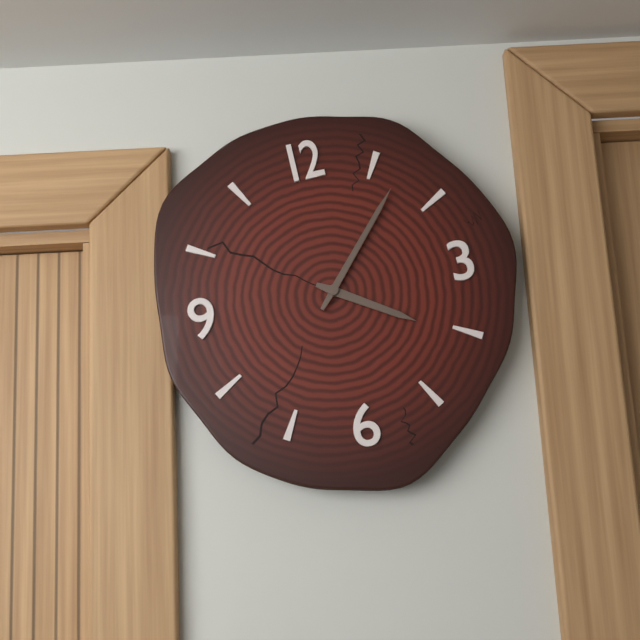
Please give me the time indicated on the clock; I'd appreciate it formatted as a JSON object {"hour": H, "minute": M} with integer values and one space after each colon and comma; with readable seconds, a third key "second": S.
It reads {"hour": 4, "minute": 7}
